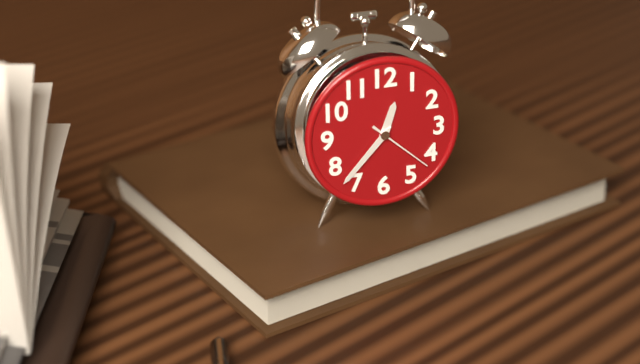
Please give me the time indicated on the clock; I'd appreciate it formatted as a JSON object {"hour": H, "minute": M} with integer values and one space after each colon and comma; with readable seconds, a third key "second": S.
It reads {"hour": 12, "minute": 37, "second": 22}
